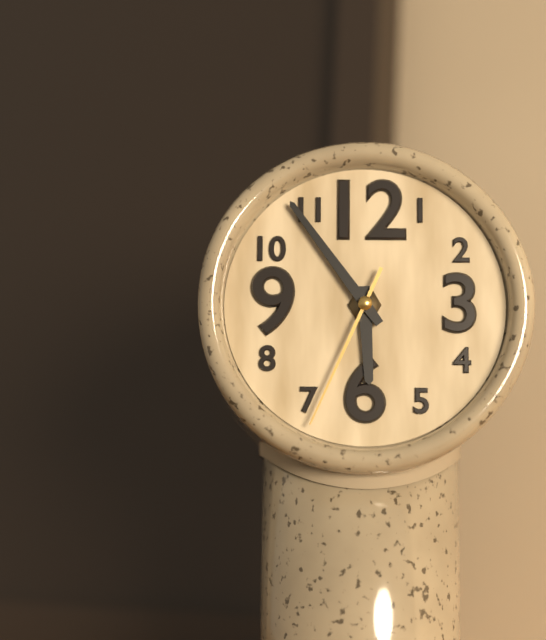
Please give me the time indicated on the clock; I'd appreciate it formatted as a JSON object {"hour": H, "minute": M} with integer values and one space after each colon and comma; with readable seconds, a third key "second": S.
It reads {"hour": 5, "minute": 54, "second": 34}
